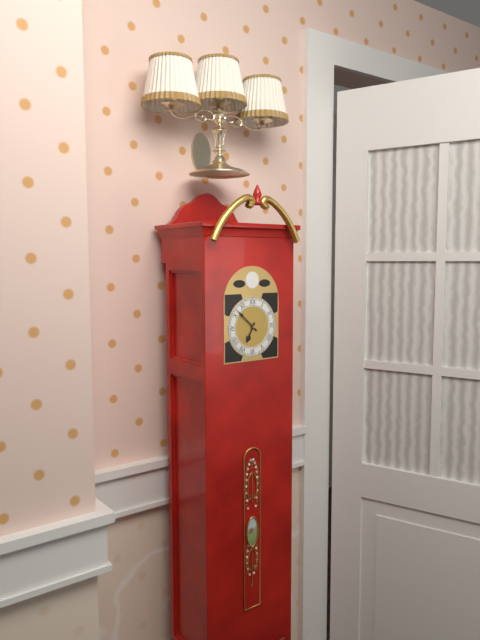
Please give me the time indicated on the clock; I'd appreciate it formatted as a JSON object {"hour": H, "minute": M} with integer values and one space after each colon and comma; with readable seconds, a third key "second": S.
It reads {"hour": 6, "minute": 52}
